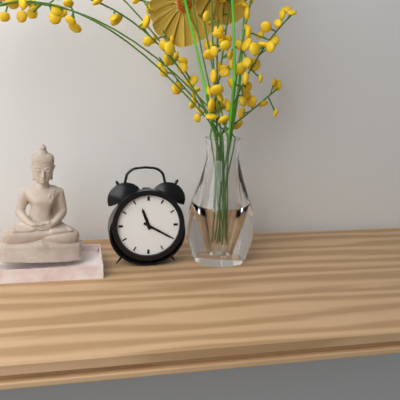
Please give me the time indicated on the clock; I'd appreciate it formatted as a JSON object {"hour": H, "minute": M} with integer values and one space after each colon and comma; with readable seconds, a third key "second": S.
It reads {"hour": 11, "minute": 20}
